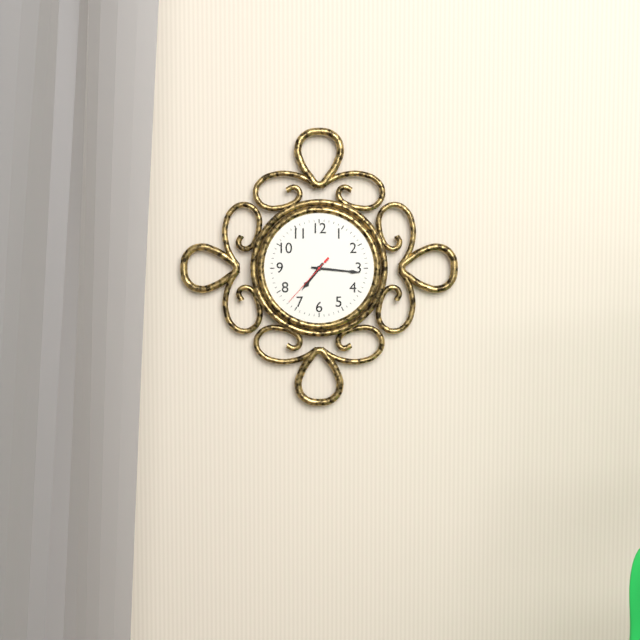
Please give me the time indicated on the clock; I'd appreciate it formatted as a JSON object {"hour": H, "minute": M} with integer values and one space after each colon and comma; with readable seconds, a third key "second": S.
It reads {"hour": 7, "minute": 16, "second": 37}
